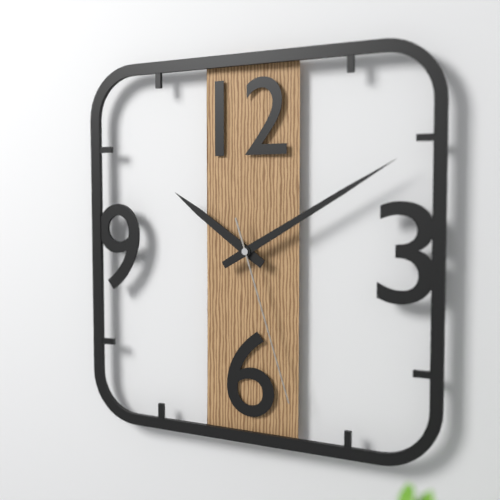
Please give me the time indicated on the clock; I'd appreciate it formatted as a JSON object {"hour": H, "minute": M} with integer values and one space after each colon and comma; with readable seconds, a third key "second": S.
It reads {"hour": 10, "minute": 10, "second": 27}
